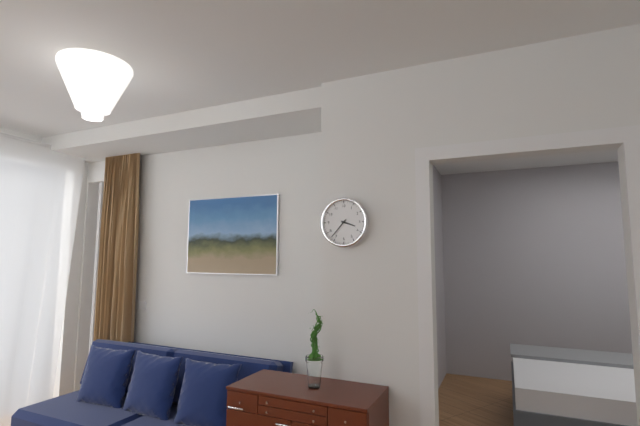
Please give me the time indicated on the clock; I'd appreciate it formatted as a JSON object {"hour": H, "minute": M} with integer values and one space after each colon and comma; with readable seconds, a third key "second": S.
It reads {"hour": 3, "minute": 37}
